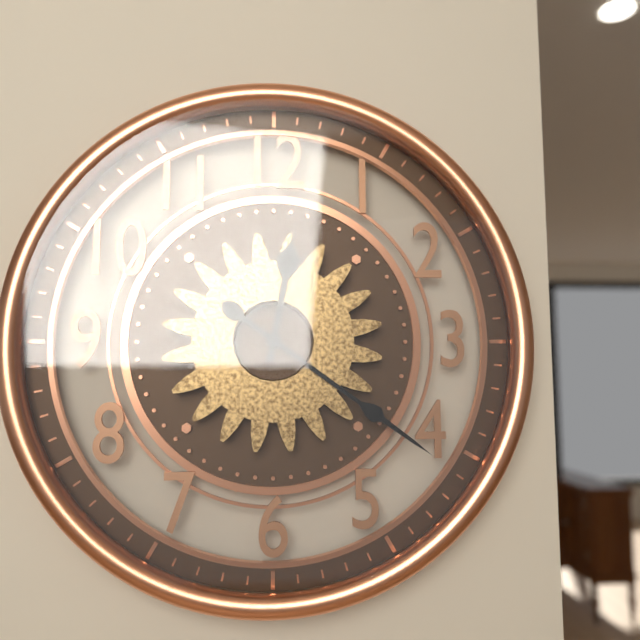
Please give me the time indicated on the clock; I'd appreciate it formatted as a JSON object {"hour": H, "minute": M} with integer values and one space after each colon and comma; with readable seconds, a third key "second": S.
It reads {"hour": 12, "minute": 21}
